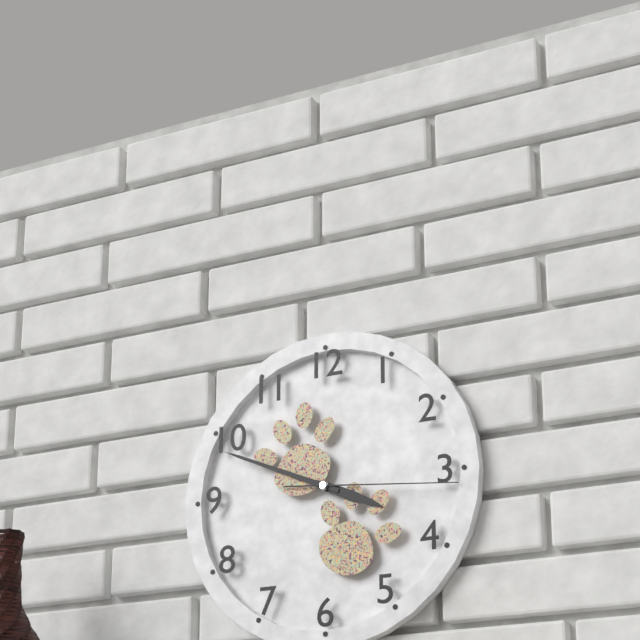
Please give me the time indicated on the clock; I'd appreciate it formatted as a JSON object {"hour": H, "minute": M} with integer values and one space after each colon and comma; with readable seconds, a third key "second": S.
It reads {"hour": 3, "minute": 49, "second": 16}
